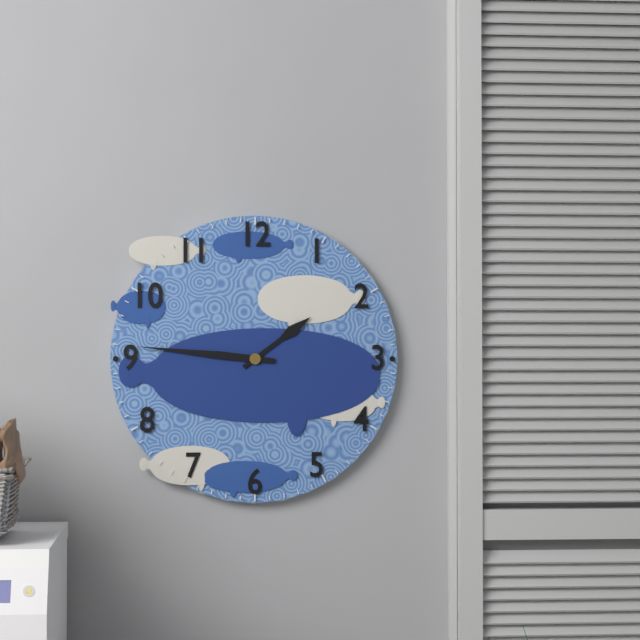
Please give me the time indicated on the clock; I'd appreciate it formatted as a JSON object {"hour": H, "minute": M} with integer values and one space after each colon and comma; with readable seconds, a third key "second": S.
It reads {"hour": 1, "minute": 46}
